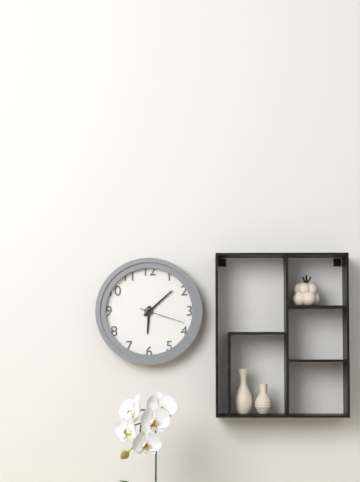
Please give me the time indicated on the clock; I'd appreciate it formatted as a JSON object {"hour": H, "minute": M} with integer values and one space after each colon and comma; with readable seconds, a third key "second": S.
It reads {"hour": 6, "minute": 8}
